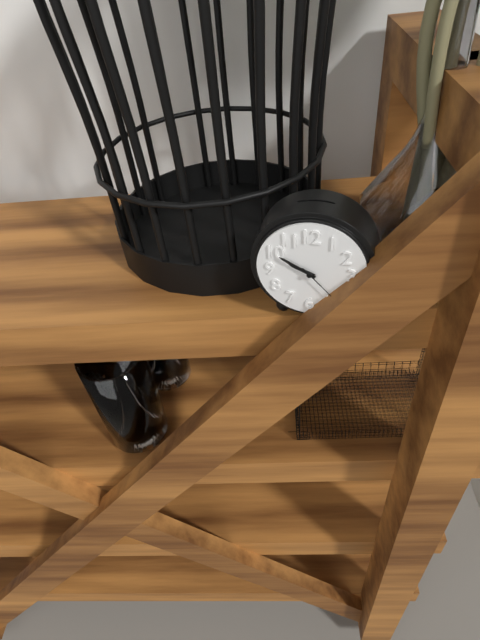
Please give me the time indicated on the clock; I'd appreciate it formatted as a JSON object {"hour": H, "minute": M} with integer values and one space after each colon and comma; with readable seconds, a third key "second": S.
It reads {"hour": 9, "minute": 50}
